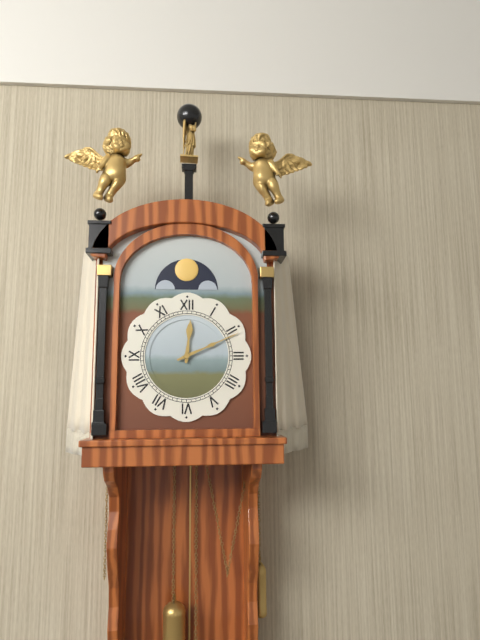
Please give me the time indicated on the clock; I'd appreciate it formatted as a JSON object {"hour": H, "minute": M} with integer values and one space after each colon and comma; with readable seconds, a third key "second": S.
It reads {"hour": 12, "minute": 11}
